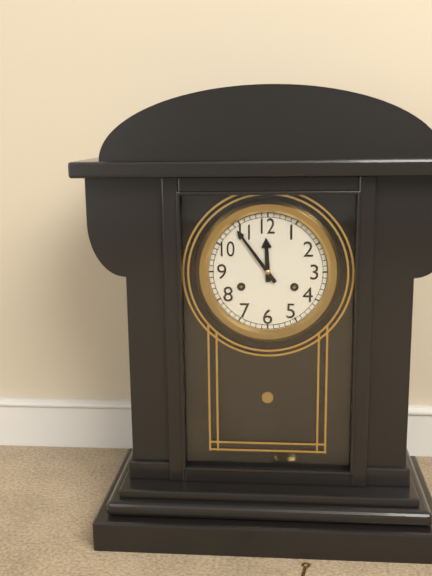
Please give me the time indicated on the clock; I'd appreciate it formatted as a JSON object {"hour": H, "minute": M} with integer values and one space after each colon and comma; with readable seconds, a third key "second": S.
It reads {"hour": 11, "minute": 54}
